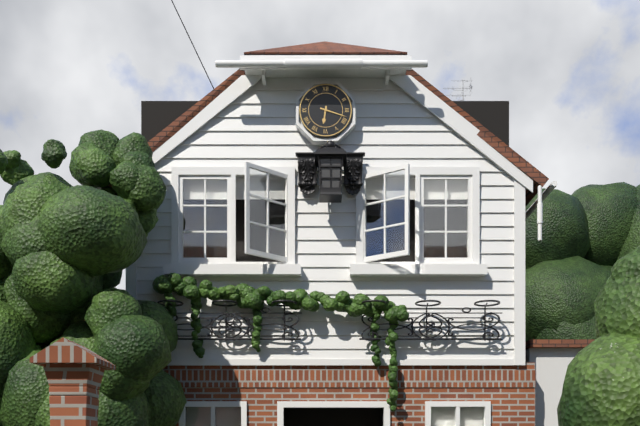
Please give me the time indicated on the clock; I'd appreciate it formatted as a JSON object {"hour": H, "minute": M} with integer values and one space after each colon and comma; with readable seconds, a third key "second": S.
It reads {"hour": 6, "minute": 18}
